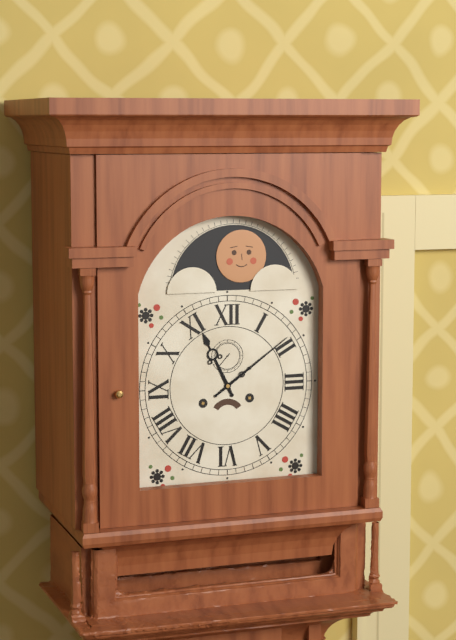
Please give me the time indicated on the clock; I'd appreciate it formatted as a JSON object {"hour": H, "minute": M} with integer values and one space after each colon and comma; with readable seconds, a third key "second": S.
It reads {"hour": 11, "minute": 9}
